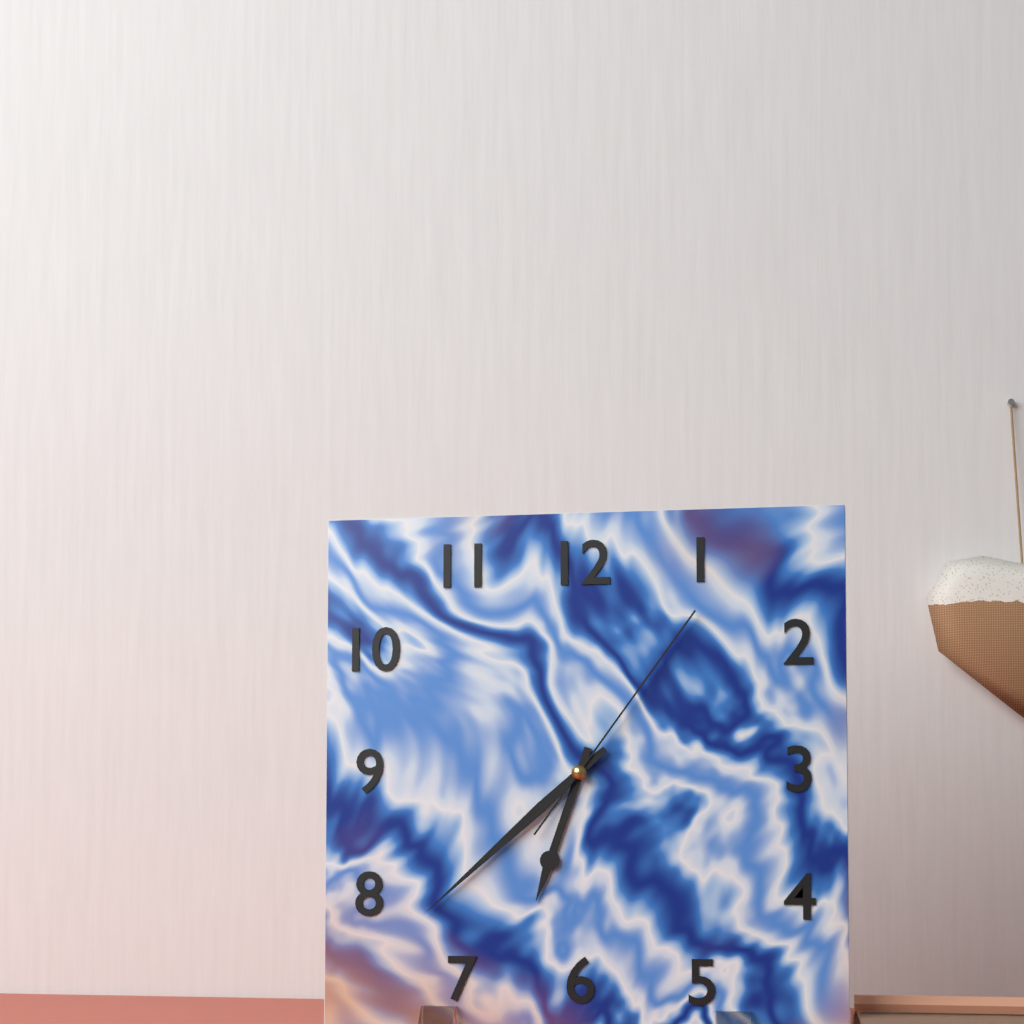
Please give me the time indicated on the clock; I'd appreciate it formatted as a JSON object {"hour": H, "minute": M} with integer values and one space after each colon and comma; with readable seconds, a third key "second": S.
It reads {"hour": 6, "minute": 38, "second": 6}
